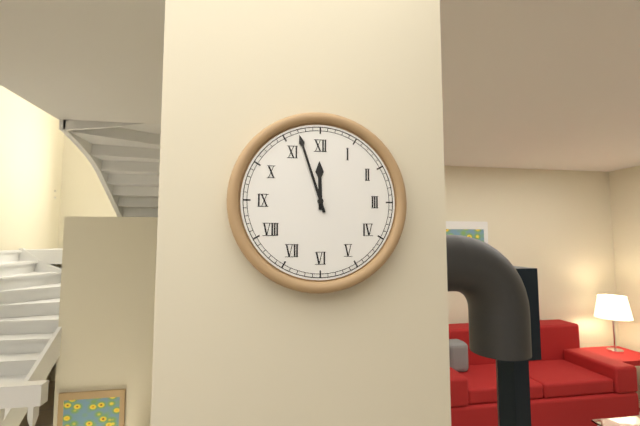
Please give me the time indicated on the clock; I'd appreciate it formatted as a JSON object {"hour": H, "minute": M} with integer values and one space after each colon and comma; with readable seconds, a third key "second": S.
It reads {"hour": 11, "minute": 57}
